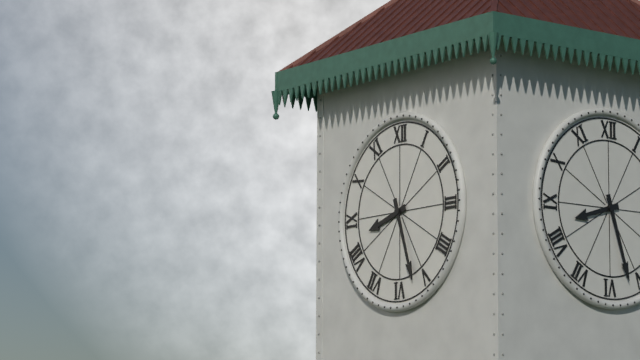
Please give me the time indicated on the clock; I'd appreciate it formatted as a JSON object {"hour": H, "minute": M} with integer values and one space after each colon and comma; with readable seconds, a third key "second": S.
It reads {"hour": 8, "minute": 27}
